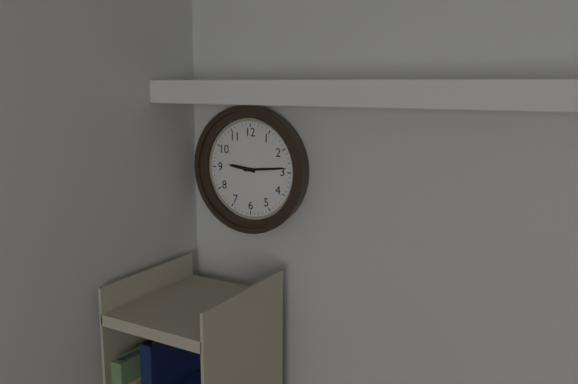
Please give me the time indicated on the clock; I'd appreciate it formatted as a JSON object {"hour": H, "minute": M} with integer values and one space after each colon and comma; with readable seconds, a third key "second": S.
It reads {"hour": 9, "minute": 14}
